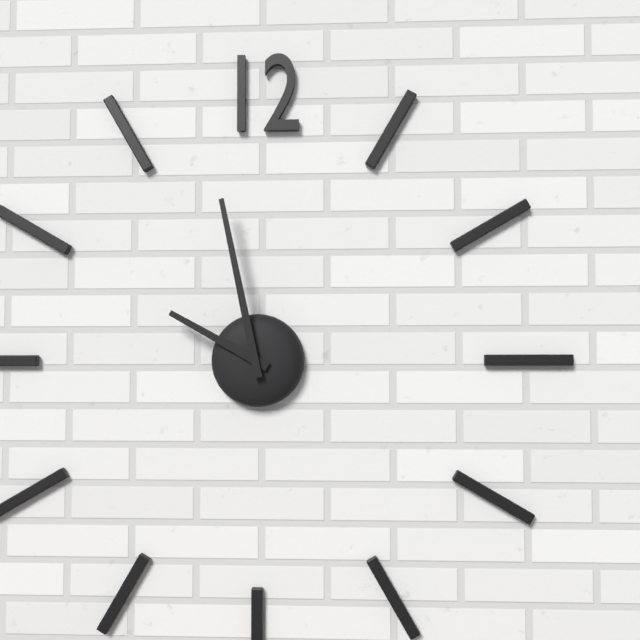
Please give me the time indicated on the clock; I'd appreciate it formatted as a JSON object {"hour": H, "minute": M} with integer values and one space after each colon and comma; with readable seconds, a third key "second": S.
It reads {"hour": 9, "minute": 58}
